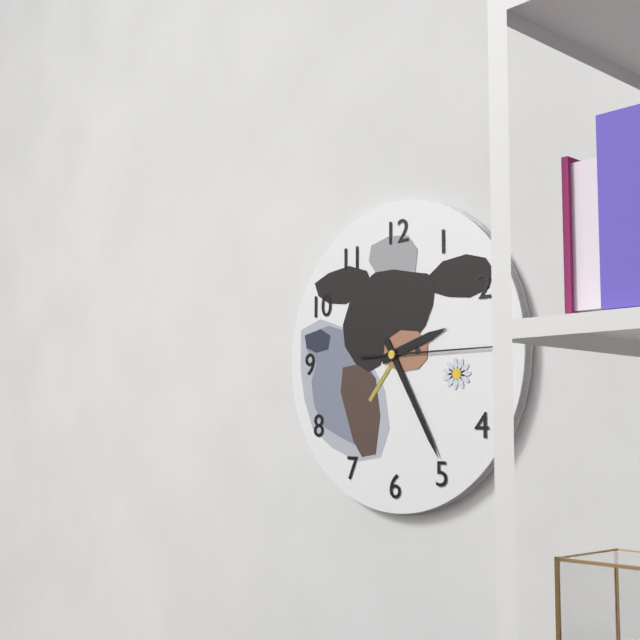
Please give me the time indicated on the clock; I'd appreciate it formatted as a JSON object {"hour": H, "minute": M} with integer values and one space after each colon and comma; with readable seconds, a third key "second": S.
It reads {"hour": 2, "minute": 25, "second": 15}
